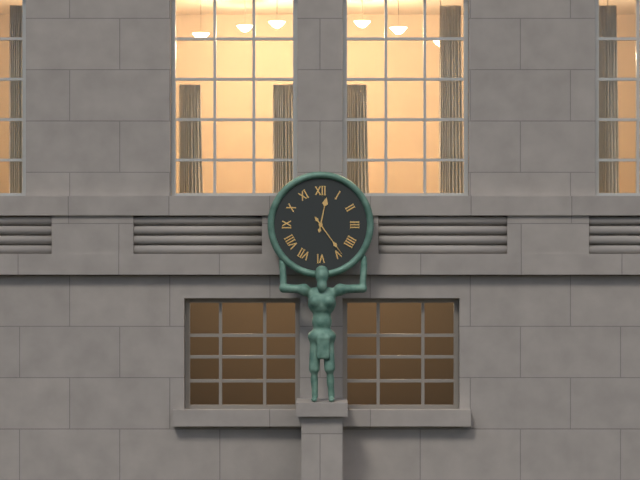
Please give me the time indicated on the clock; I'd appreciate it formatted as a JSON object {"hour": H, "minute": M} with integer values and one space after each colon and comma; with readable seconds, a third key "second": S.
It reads {"hour": 12, "minute": 24}
